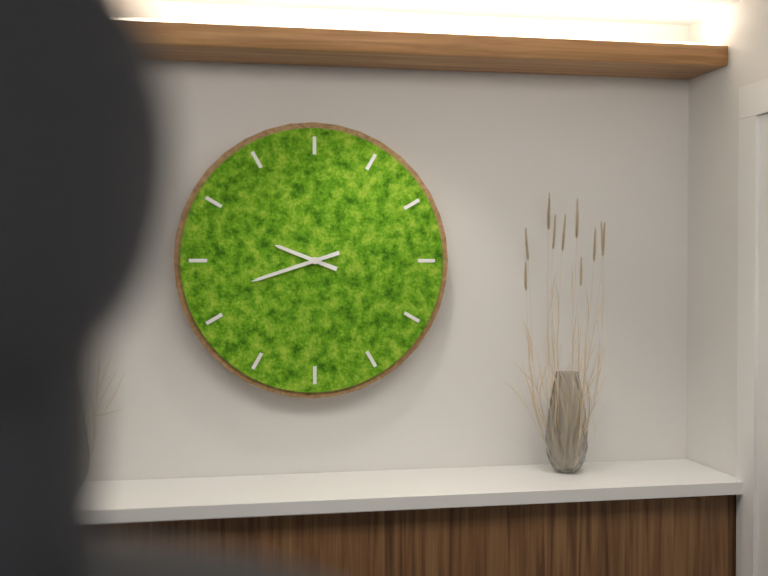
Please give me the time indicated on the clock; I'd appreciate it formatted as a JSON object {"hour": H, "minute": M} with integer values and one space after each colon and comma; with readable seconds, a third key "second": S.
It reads {"hour": 9, "minute": 42}
